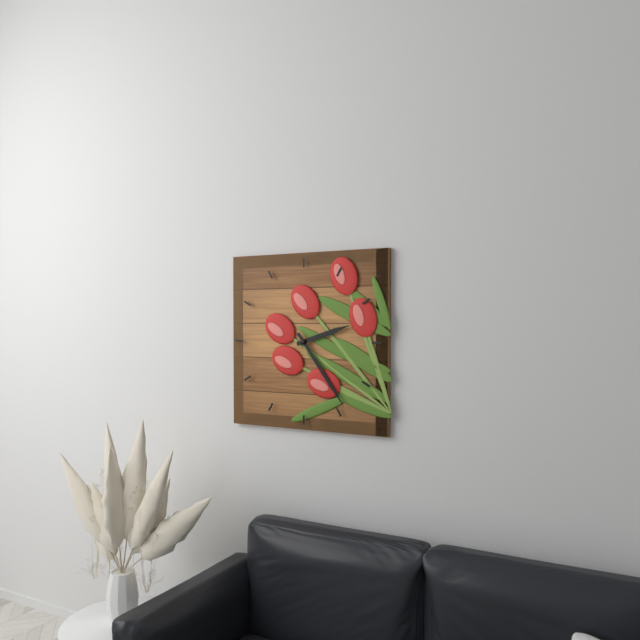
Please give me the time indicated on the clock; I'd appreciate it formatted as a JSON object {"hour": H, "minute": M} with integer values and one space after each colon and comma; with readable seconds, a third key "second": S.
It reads {"hour": 2, "minute": 24}
